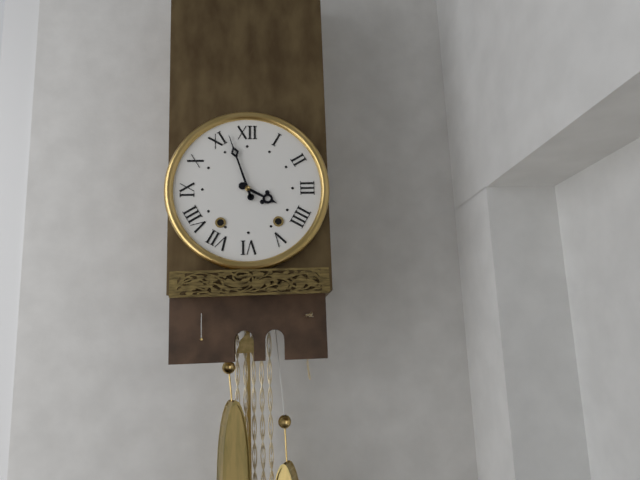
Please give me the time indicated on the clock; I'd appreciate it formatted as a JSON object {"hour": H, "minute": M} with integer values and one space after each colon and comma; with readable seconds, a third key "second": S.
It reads {"hour": 3, "minute": 57}
